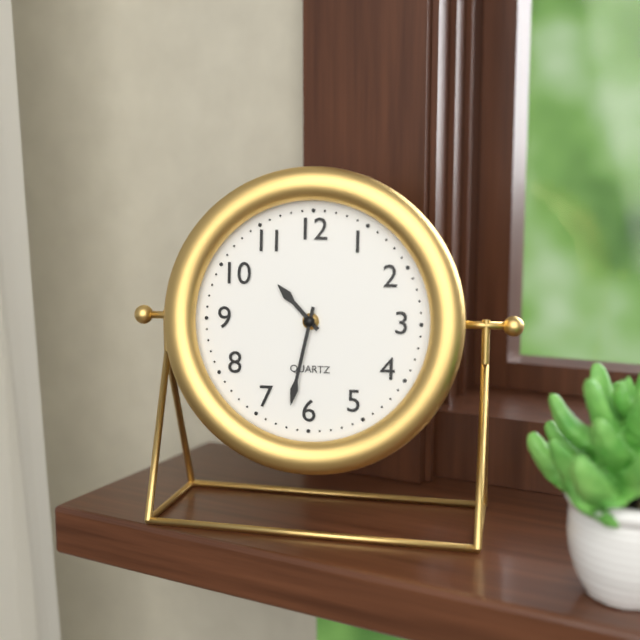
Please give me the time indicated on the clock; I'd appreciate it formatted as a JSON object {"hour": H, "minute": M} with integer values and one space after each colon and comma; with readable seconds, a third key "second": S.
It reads {"hour": 10, "minute": 32}
